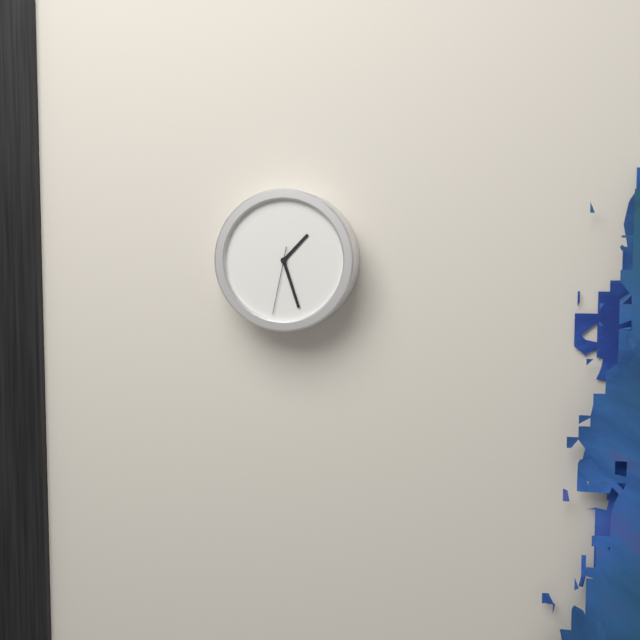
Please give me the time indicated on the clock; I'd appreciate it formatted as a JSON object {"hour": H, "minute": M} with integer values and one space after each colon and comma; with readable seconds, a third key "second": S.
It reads {"hour": 1, "minute": 27, "second": 32}
